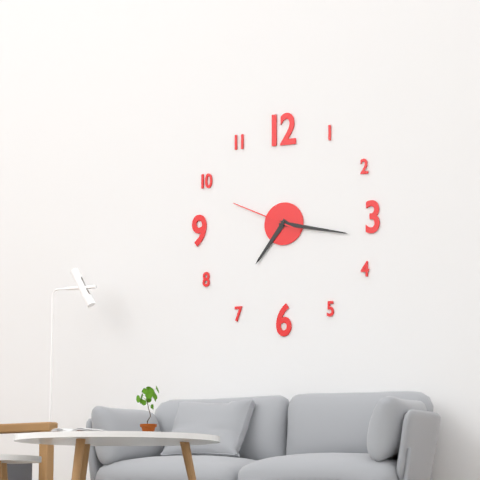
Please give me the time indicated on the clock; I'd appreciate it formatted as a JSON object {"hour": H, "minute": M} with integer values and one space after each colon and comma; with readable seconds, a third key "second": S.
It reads {"hour": 7, "minute": 17, "second": 49}
